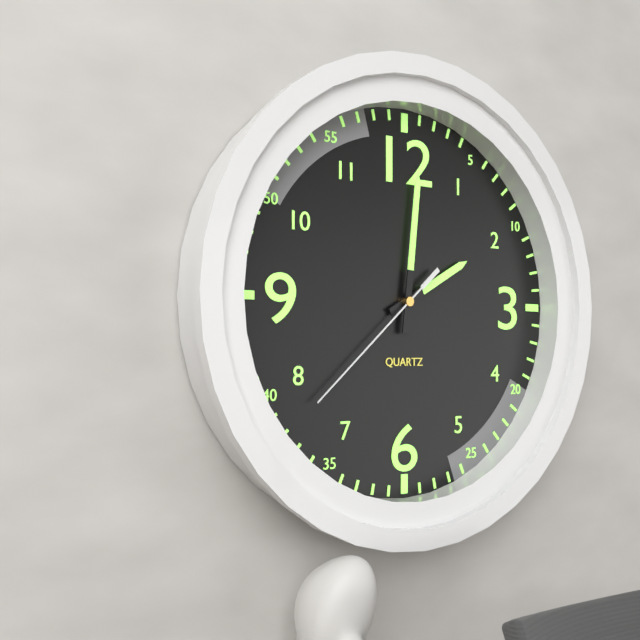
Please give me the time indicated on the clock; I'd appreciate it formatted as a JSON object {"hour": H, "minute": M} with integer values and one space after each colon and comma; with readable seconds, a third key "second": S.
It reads {"hour": 2, "minute": 1, "second": 38}
